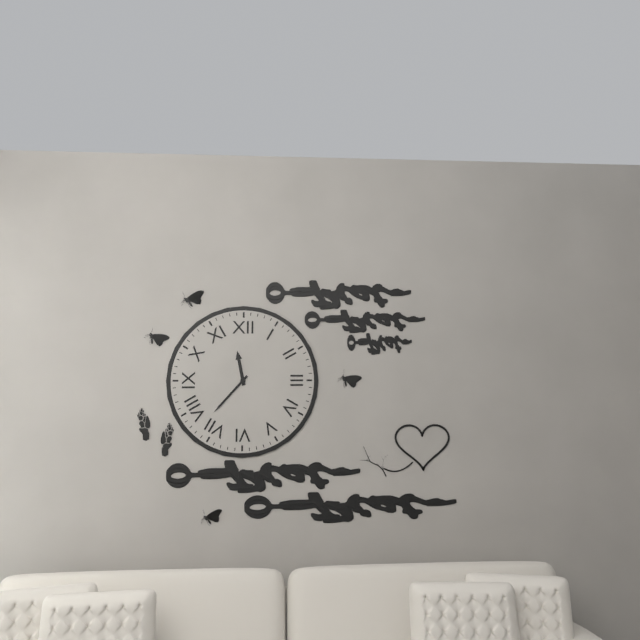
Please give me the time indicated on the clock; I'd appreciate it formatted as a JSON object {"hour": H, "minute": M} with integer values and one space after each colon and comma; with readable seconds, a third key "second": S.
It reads {"hour": 11, "minute": 37}
